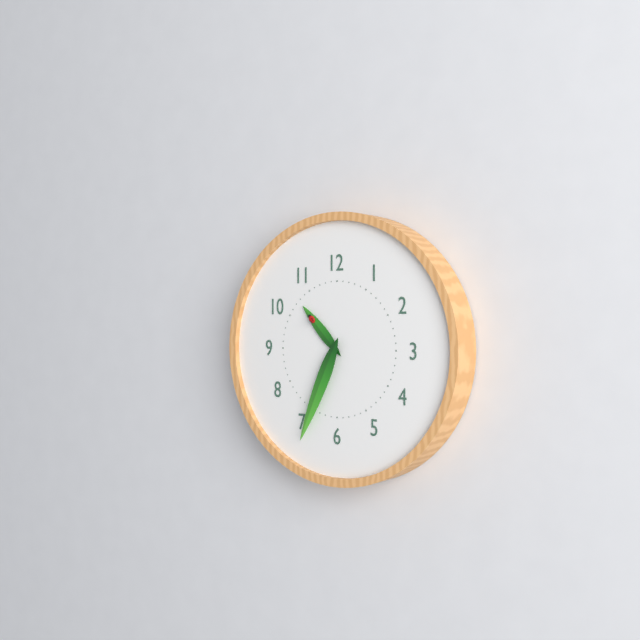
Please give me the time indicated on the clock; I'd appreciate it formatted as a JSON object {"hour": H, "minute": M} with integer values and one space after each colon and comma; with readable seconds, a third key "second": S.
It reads {"hour": 10, "minute": 34}
